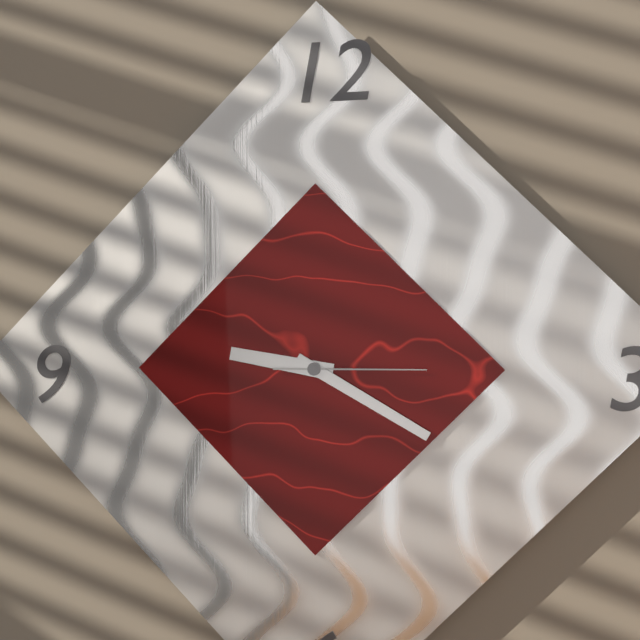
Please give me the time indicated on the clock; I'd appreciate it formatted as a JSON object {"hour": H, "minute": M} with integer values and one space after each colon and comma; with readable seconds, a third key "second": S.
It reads {"hour": 9, "minute": 20, "second": 15}
